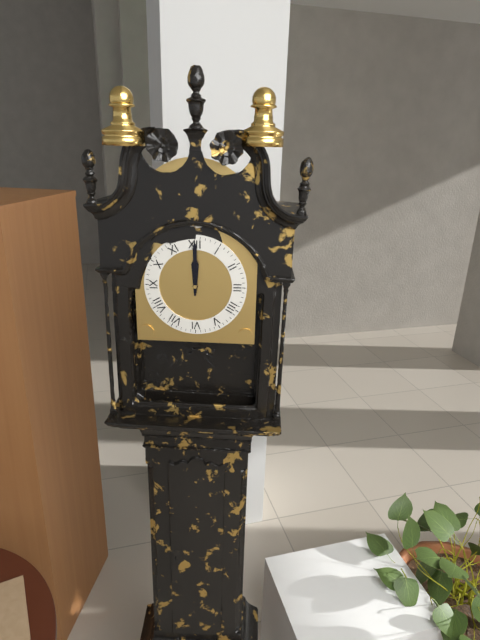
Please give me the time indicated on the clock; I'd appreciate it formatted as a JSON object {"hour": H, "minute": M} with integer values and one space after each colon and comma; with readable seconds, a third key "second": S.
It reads {"hour": 12, "minute": 0}
